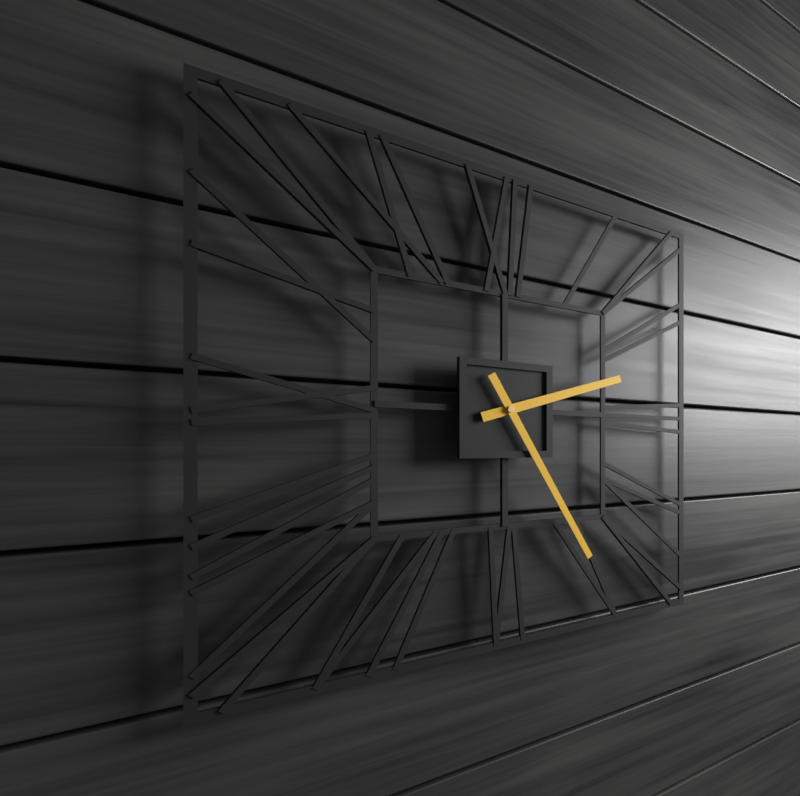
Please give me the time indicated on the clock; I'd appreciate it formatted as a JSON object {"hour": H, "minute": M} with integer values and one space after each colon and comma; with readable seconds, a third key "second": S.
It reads {"hour": 2, "minute": 25}
